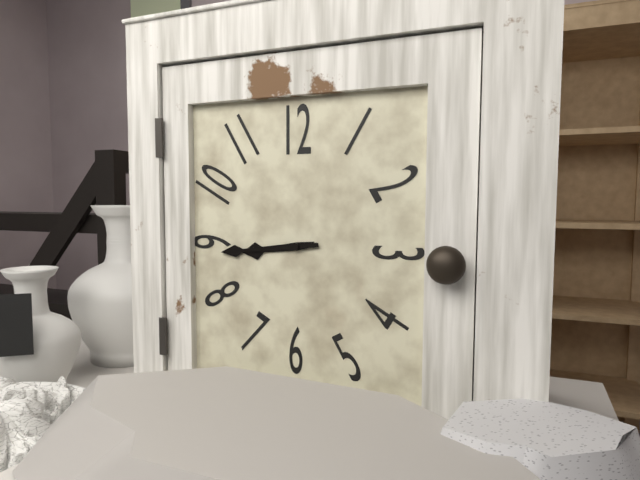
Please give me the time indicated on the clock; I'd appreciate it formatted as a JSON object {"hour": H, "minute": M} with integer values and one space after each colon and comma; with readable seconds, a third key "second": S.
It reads {"hour": 8, "minute": 44}
